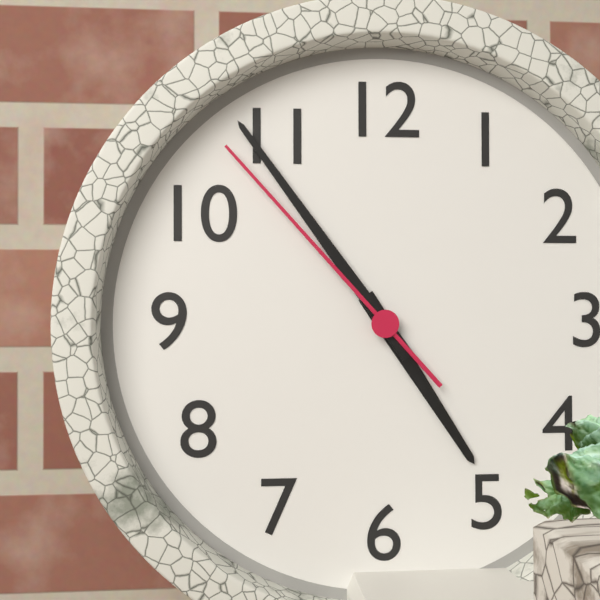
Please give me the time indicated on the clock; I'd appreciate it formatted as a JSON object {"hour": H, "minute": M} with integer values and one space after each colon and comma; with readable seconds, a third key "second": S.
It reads {"hour": 4, "minute": 54, "second": 53}
